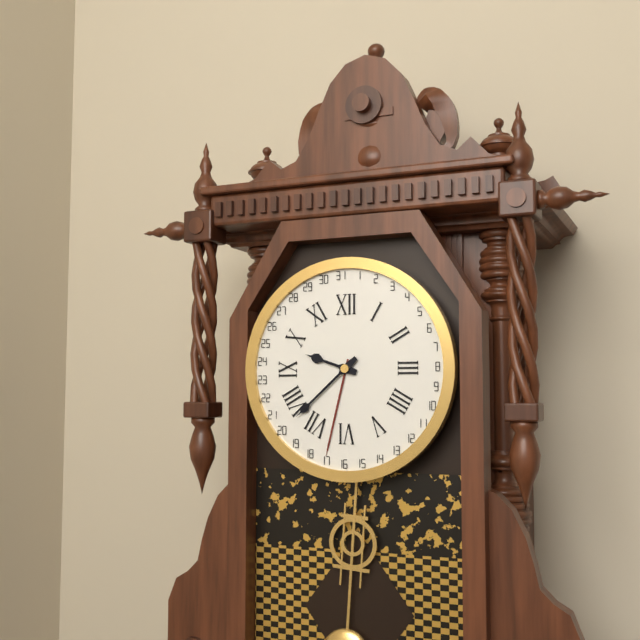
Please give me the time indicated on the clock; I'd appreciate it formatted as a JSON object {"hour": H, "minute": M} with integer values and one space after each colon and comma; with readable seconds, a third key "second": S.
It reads {"hour": 9, "minute": 38}
